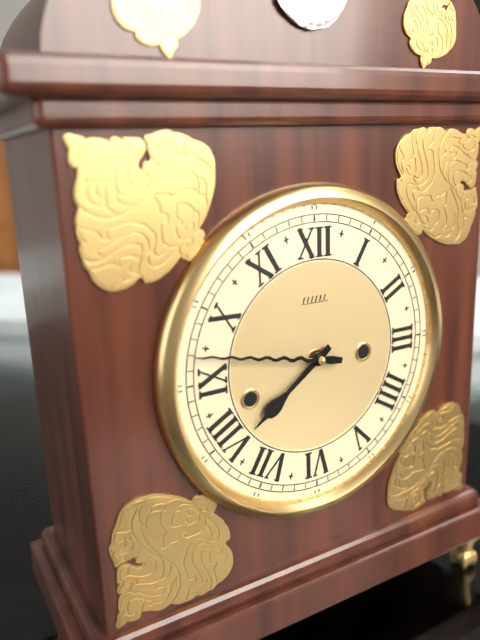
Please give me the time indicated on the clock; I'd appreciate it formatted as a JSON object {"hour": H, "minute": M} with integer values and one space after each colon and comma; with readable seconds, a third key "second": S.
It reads {"hour": 7, "minute": 47}
